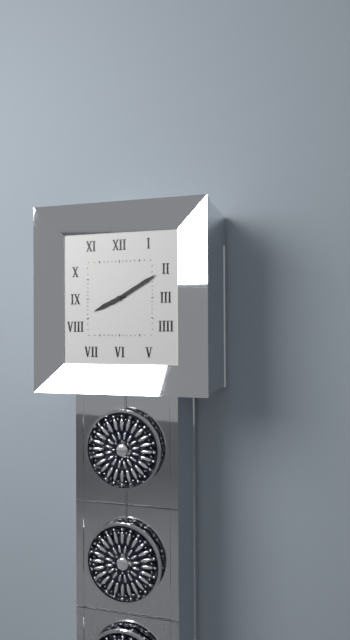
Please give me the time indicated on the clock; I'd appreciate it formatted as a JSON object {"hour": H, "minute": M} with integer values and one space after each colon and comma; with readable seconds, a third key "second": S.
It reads {"hour": 8, "minute": 10}
